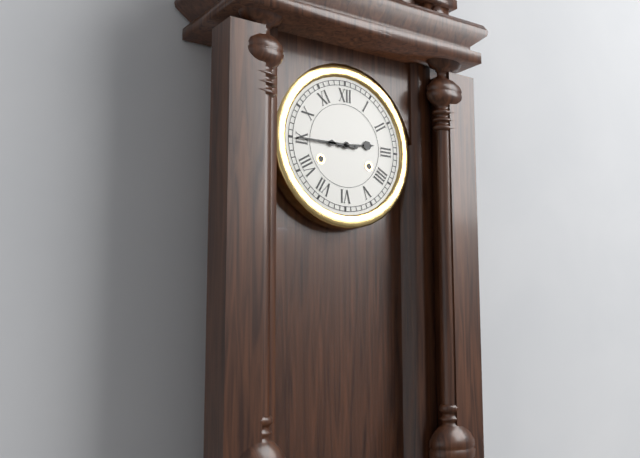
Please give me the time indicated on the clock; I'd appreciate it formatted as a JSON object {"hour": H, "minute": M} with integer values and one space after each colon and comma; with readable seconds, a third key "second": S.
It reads {"hour": 2, "minute": 45}
